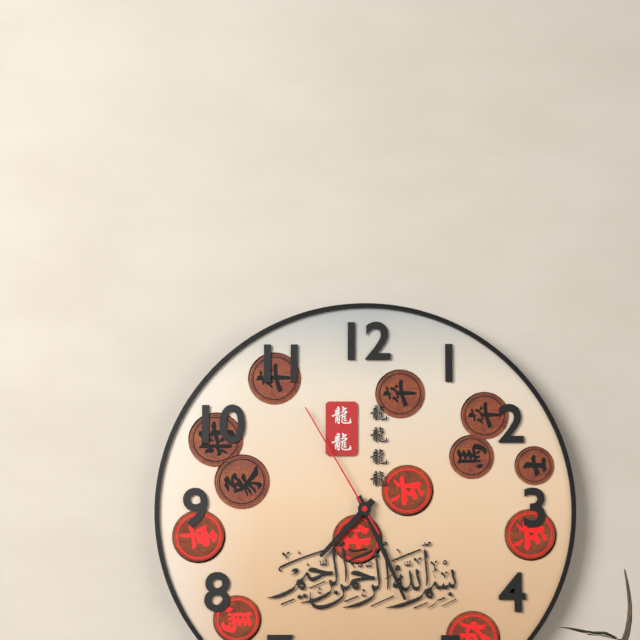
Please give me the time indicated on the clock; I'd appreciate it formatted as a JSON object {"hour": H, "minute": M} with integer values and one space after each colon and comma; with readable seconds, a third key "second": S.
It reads {"hour": 7, "minute": 26, "second": 55}
